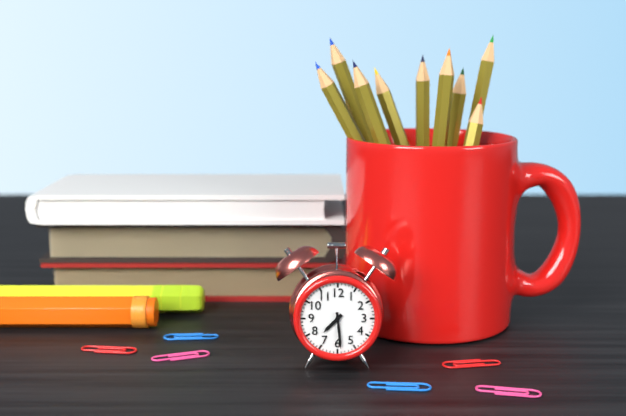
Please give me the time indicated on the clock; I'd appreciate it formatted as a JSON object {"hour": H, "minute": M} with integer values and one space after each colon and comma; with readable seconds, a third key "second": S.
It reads {"hour": 7, "minute": 29}
